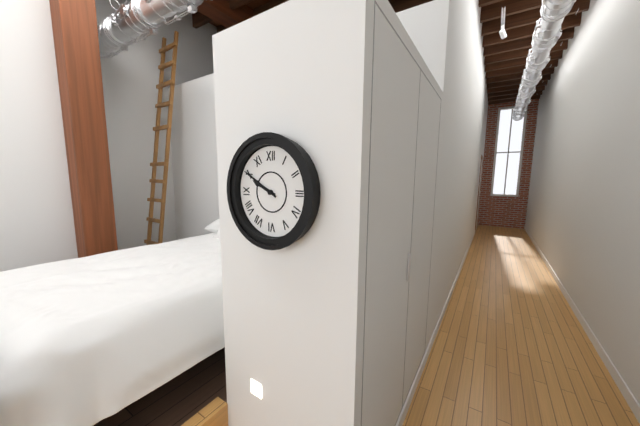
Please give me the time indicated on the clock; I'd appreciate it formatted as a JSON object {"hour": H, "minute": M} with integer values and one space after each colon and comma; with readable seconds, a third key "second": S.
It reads {"hour": 9, "minute": 50}
